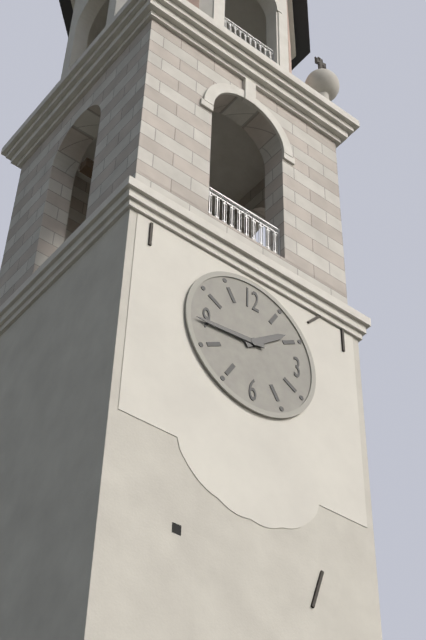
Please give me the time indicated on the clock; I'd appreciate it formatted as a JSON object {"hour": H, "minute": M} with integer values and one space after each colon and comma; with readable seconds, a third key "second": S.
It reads {"hour": 1, "minute": 44}
